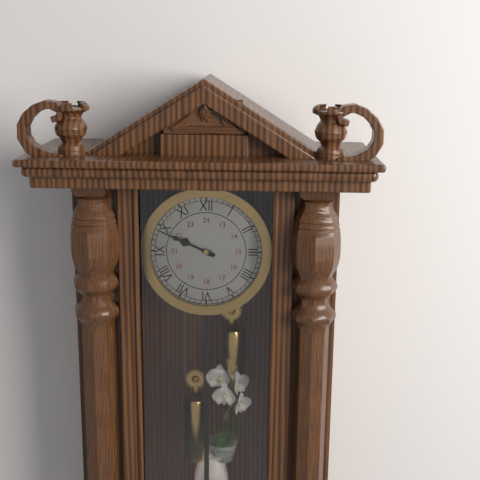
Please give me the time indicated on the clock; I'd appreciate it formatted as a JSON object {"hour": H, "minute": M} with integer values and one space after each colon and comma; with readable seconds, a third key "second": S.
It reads {"hour": 9, "minute": 49}
